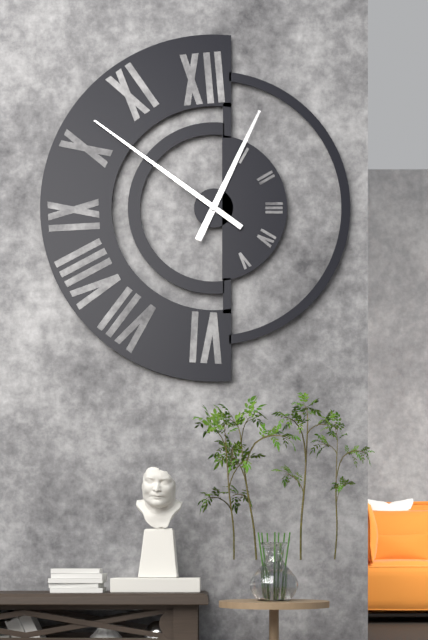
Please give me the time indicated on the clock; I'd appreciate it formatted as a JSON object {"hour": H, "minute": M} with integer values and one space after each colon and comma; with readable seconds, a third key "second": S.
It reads {"hour": 12, "minute": 51}
